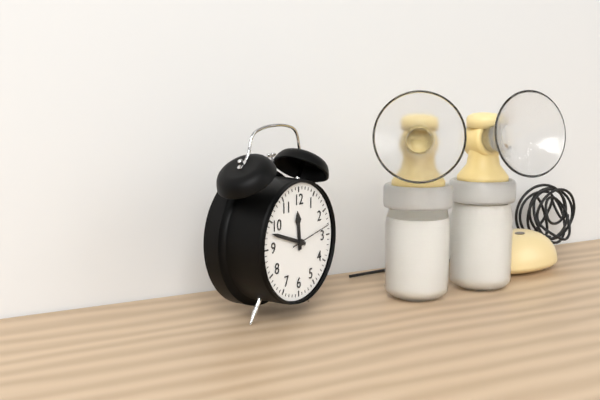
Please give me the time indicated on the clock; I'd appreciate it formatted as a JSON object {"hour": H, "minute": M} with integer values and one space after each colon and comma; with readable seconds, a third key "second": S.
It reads {"hour": 11, "minute": 48}
